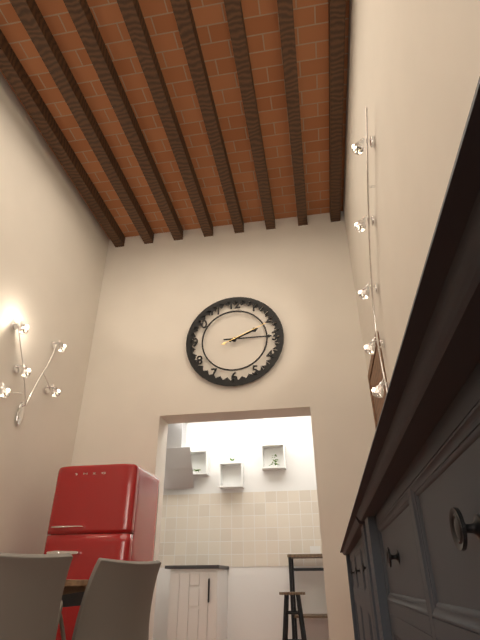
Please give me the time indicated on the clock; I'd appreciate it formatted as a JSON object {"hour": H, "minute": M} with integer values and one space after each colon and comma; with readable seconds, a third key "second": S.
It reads {"hour": 2, "minute": 15}
